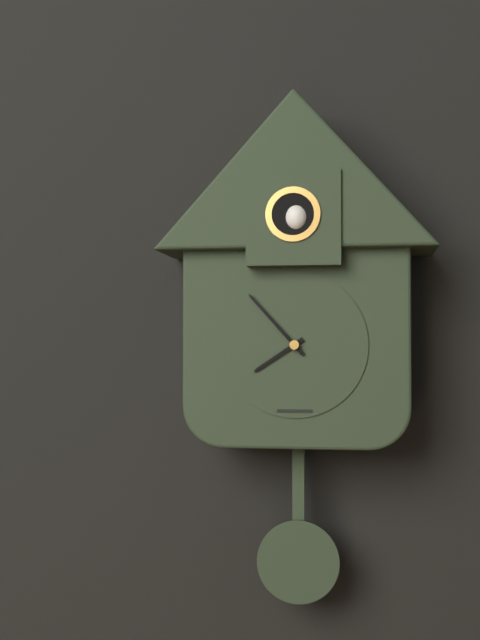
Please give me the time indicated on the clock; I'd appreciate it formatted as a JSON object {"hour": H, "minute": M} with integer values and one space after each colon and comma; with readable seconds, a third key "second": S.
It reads {"hour": 7, "minute": 53}
